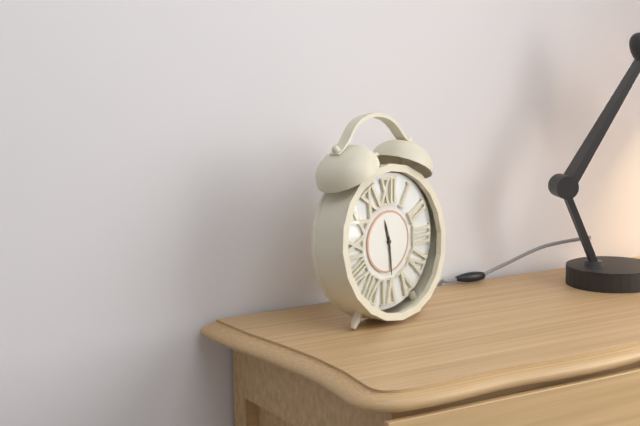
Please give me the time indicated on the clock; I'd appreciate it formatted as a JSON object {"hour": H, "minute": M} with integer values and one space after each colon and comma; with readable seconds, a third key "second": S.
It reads {"hour": 11, "minute": 29}
